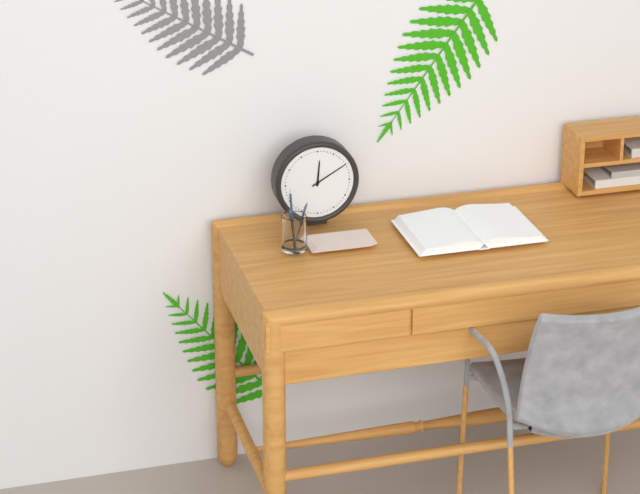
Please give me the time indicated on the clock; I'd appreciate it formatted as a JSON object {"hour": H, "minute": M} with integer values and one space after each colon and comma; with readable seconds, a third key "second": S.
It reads {"hour": 12, "minute": 10}
